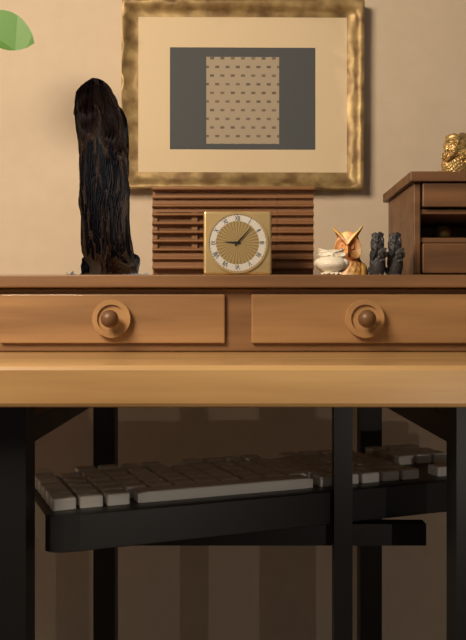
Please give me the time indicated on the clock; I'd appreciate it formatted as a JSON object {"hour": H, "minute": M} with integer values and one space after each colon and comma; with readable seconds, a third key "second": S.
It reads {"hour": 9, "minute": 7}
